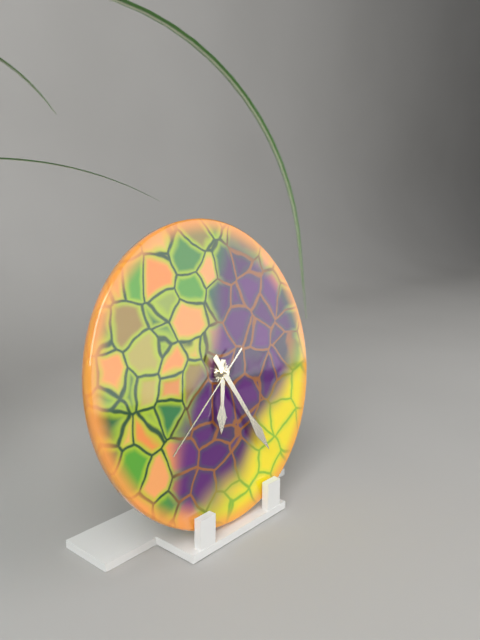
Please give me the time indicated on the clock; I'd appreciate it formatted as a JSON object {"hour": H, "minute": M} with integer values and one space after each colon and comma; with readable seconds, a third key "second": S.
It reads {"hour": 6, "minute": 25, "second": 39}
